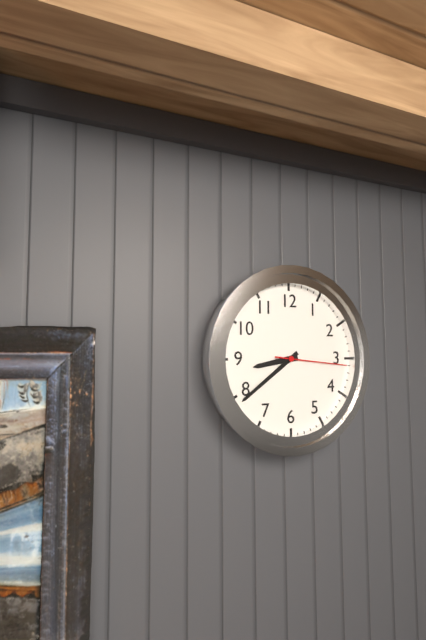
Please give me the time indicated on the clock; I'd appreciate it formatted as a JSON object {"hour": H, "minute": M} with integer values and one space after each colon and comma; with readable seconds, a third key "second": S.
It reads {"hour": 8, "minute": 39, "second": 16}
